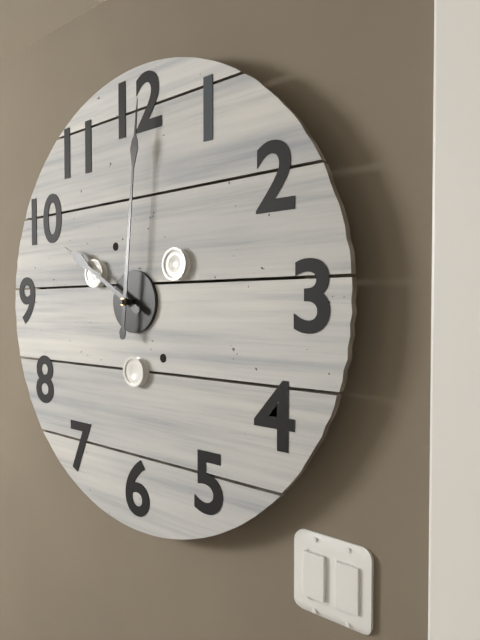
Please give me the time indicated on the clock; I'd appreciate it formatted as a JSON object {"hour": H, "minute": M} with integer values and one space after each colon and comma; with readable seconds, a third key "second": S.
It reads {"hour": 10, "minute": 1}
